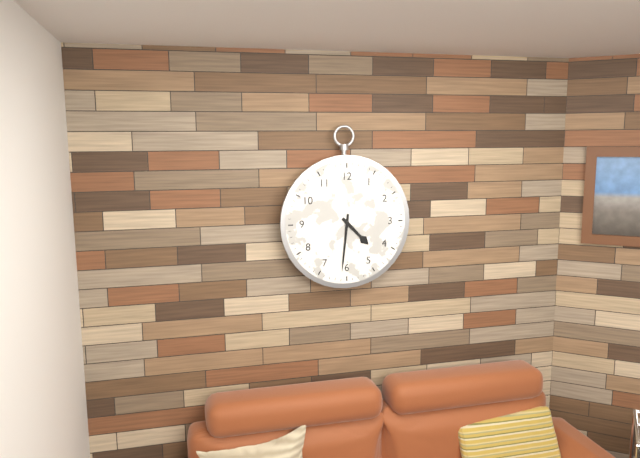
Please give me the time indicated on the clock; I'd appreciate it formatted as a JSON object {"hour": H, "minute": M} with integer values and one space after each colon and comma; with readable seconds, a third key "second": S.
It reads {"hour": 4, "minute": 31}
